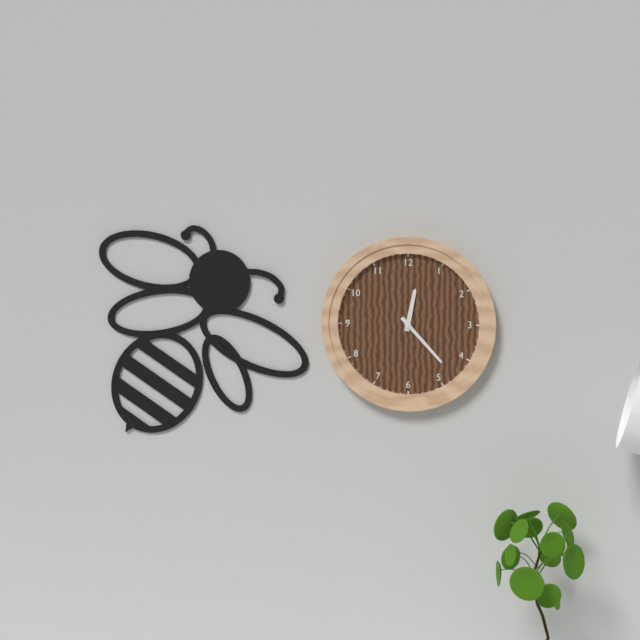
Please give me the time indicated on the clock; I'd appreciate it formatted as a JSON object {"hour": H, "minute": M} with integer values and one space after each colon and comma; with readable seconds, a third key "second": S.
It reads {"hour": 12, "minute": 23}
